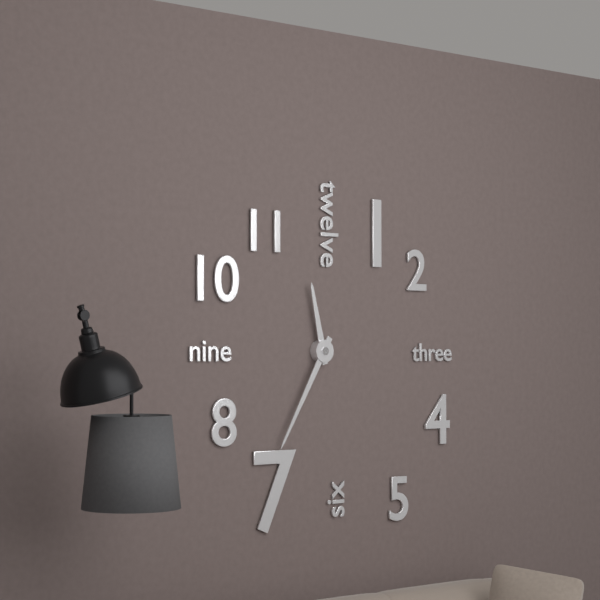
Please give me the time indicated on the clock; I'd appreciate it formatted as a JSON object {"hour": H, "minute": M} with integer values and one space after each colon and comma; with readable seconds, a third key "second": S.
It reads {"hour": 11, "minute": 35}
